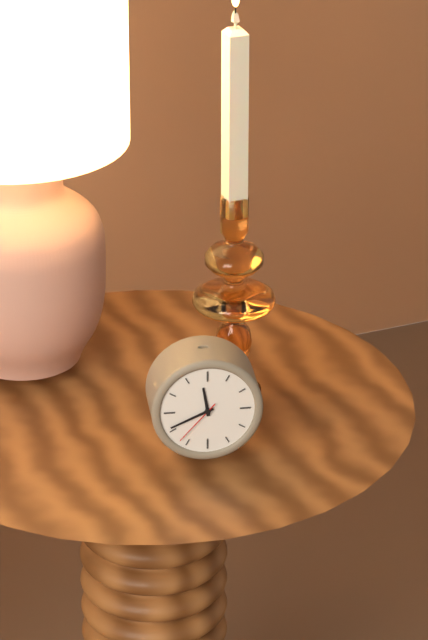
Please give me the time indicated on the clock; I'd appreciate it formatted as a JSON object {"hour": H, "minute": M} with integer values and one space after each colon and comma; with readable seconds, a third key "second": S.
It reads {"hour": 11, "minute": 41}
